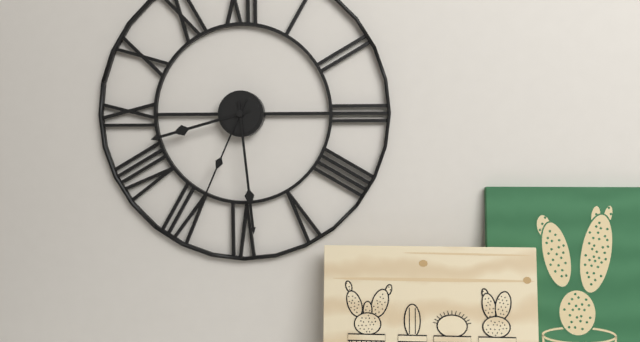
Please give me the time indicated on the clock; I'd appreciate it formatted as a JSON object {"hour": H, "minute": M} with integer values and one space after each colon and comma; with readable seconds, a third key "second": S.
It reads {"hour": 8, "minute": 29, "second": 34}
